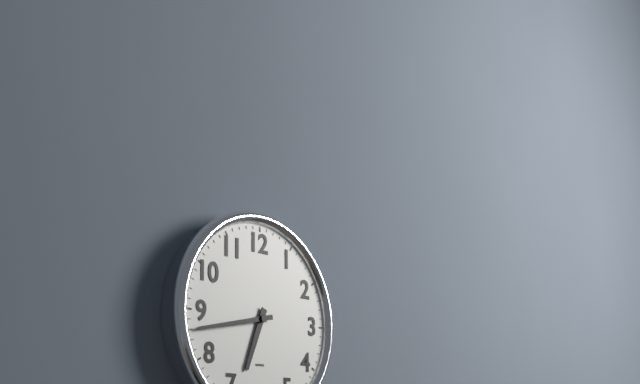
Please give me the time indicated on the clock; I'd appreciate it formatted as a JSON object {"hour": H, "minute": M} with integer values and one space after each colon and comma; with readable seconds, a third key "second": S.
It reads {"hour": 6, "minute": 43}
